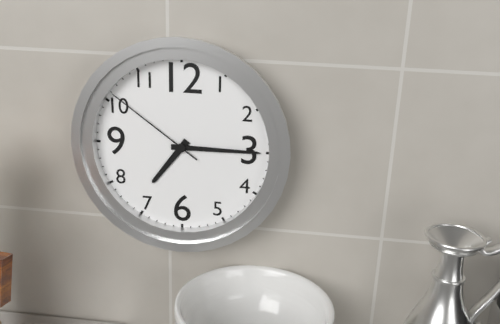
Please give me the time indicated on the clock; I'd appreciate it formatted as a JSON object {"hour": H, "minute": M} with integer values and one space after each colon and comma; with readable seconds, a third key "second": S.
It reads {"hour": 7, "minute": 15, "second": 51}
